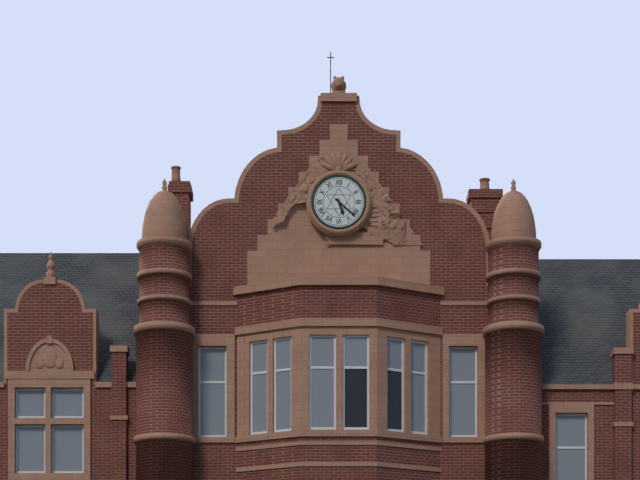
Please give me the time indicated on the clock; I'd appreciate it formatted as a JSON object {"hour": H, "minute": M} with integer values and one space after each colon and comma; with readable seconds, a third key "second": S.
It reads {"hour": 5, "minute": 22}
